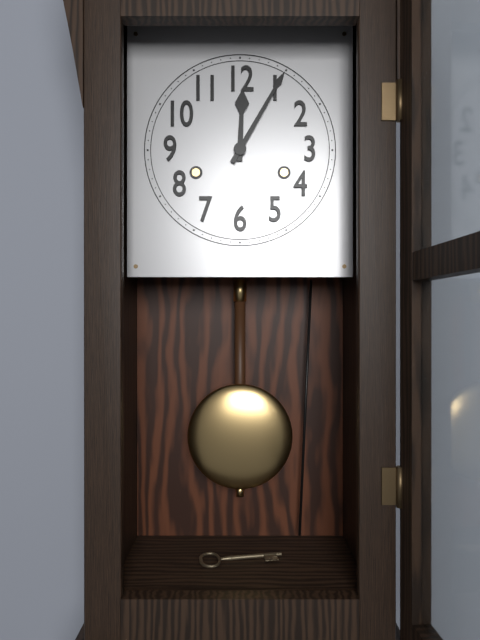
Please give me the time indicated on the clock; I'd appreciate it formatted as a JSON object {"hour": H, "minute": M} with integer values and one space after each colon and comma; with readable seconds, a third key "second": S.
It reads {"hour": 12, "minute": 5}
